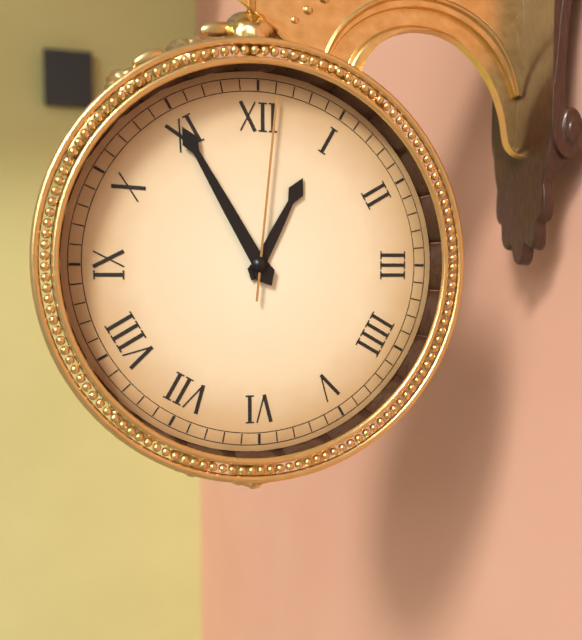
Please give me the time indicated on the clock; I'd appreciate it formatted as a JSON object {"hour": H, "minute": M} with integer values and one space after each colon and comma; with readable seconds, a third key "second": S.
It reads {"hour": 12, "minute": 55, "second": 1}
